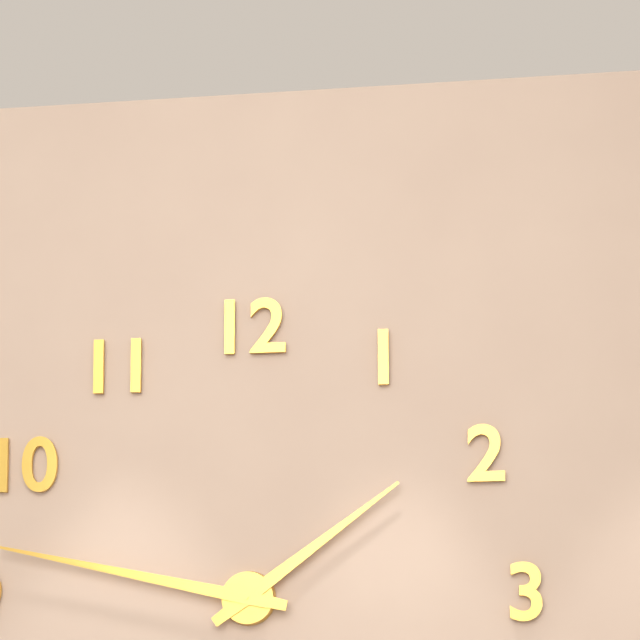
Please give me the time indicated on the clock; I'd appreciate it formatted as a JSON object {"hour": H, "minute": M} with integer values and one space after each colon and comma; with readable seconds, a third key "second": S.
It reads {"hour": 1, "minute": 47}
